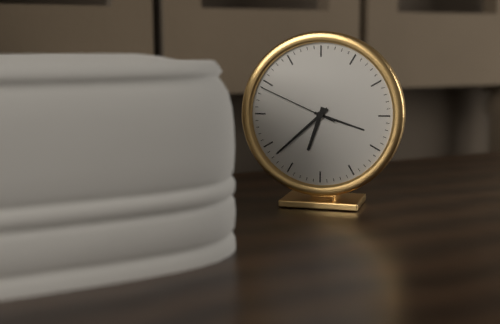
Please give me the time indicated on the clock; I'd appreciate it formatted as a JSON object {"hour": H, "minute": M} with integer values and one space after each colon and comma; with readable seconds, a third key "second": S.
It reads {"hour": 6, "minute": 38, "second": 49}
